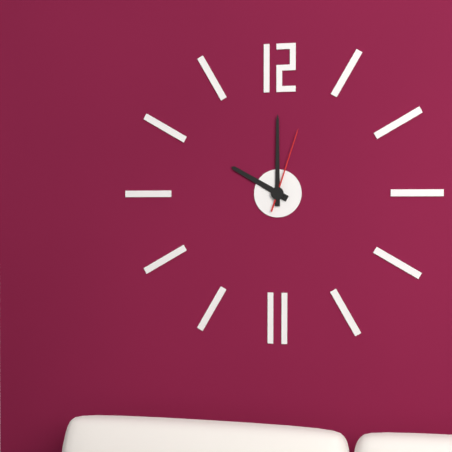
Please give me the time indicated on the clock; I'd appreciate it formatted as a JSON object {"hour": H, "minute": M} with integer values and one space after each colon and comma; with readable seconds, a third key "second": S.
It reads {"hour": 10, "minute": 0, "second": 3}
